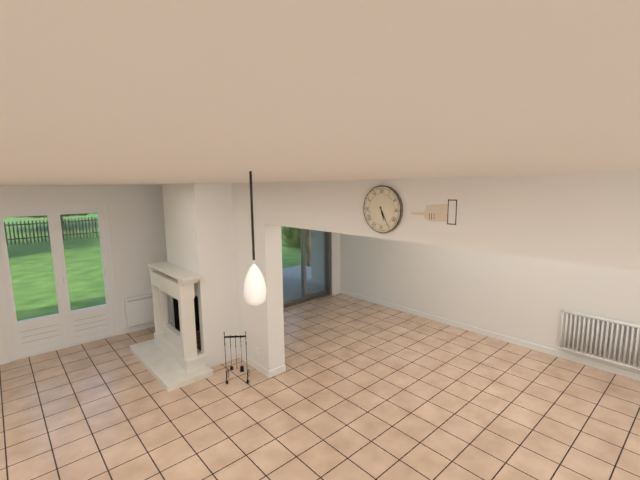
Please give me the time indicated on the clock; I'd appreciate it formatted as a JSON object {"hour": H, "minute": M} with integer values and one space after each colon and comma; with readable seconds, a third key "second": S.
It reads {"hour": 5, "minute": 25}
